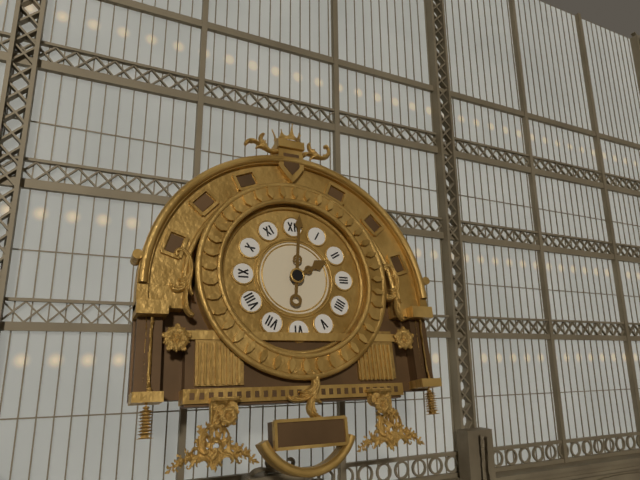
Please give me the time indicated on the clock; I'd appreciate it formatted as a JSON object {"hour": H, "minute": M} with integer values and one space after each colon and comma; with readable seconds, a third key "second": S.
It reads {"hour": 2, "minute": 1}
